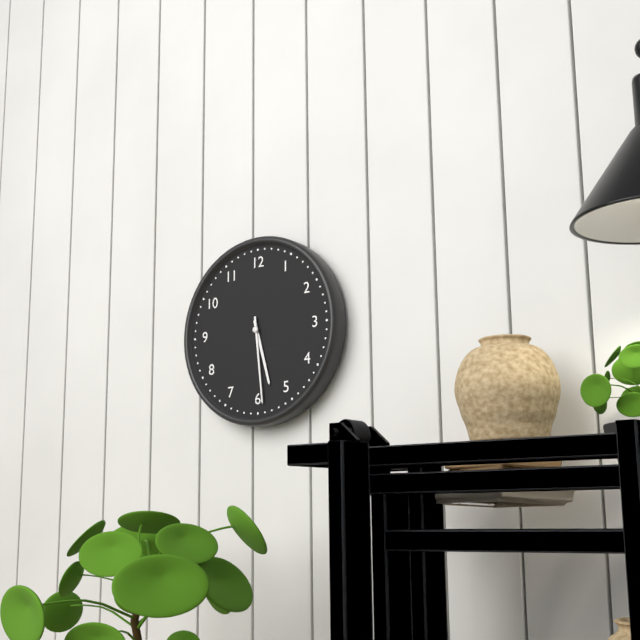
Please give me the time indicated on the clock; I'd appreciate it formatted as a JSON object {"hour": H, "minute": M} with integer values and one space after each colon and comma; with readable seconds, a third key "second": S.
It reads {"hour": 5, "minute": 29}
